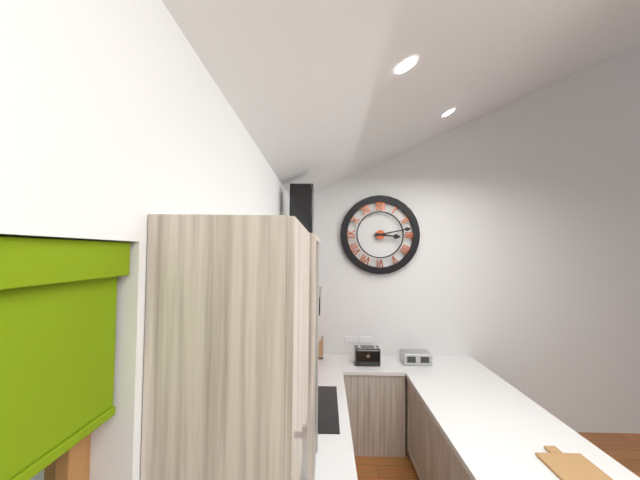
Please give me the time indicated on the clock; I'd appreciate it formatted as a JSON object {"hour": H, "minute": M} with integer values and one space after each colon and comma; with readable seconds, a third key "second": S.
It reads {"hour": 3, "minute": 13}
